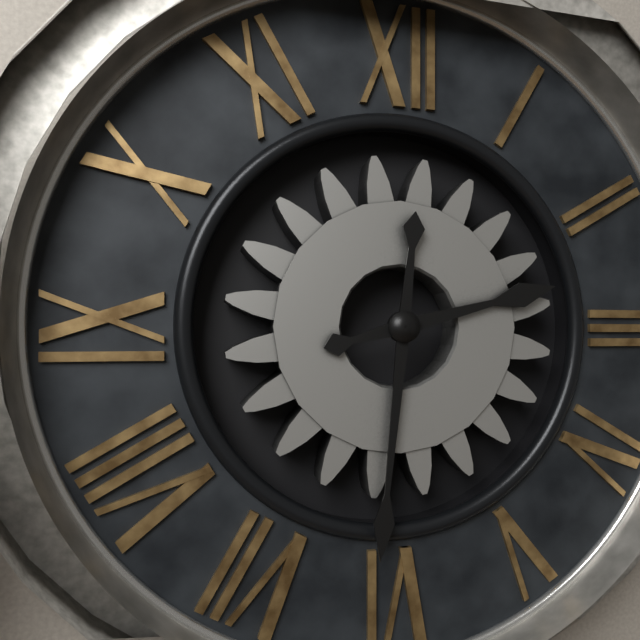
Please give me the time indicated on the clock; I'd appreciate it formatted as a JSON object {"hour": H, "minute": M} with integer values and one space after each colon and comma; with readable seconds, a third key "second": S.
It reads {"hour": 2, "minute": 31}
